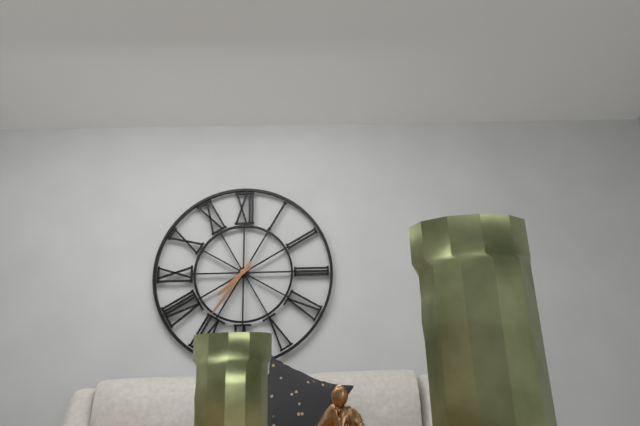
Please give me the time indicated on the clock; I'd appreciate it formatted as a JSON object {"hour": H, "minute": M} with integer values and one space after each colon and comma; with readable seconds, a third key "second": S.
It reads {"hour": 7, "minute": 36}
